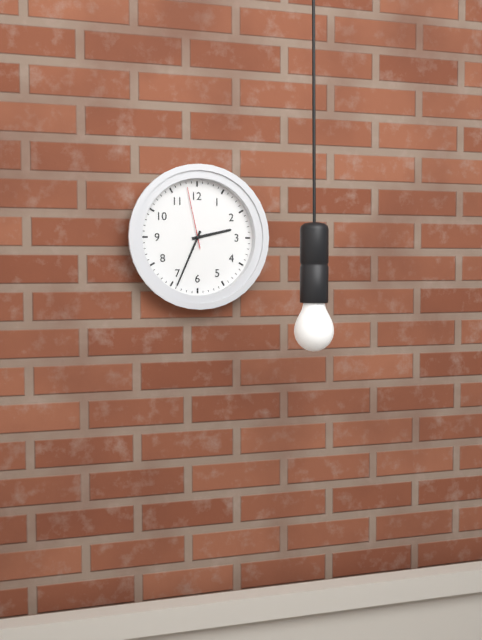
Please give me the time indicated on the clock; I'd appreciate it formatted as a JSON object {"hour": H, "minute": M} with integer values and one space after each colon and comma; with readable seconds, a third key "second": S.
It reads {"hour": 2, "minute": 34, "second": 58}
